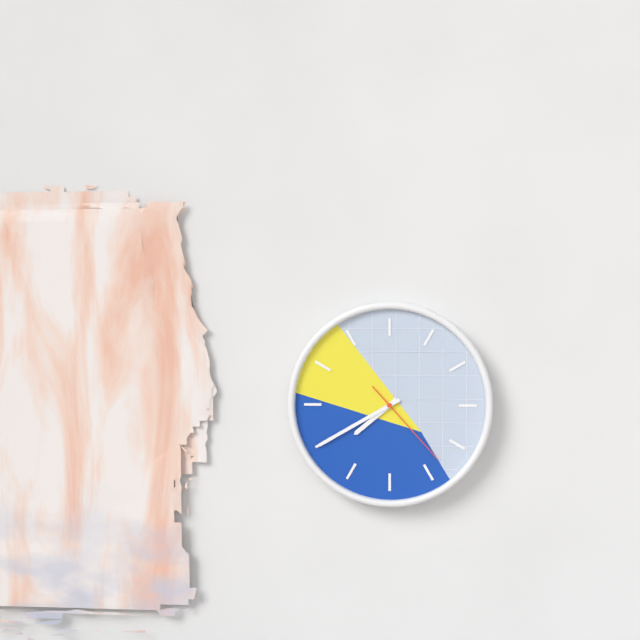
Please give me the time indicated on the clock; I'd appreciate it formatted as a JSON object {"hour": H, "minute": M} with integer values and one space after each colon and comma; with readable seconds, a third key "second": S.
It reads {"hour": 7, "minute": 40, "second": 23}
